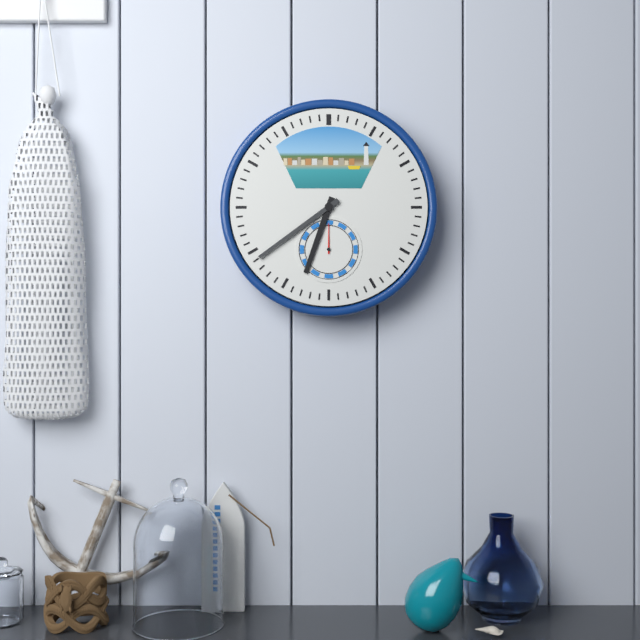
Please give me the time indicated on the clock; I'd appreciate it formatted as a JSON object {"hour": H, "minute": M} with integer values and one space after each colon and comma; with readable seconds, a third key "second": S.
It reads {"hour": 6, "minute": 39}
